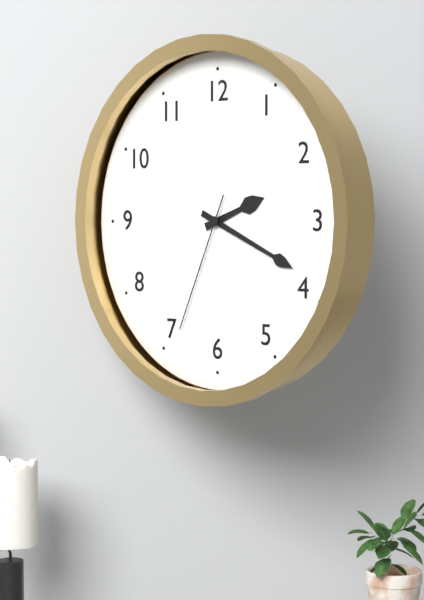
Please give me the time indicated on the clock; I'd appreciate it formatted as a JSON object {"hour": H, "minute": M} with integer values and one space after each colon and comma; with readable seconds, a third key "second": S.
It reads {"hour": 2, "minute": 19, "second": 34}
